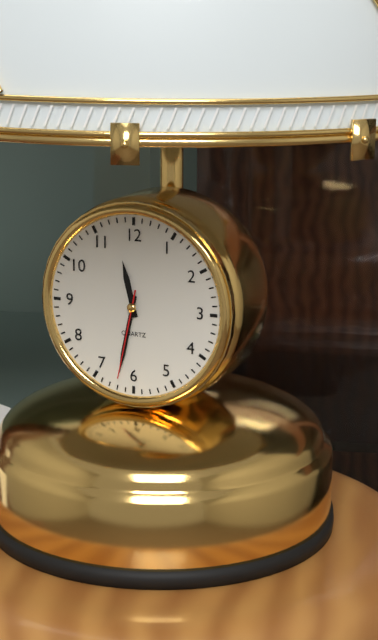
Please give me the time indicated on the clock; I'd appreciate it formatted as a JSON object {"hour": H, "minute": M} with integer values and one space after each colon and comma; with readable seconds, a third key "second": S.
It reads {"hour": 11, "minute": 32, "second": 32}
